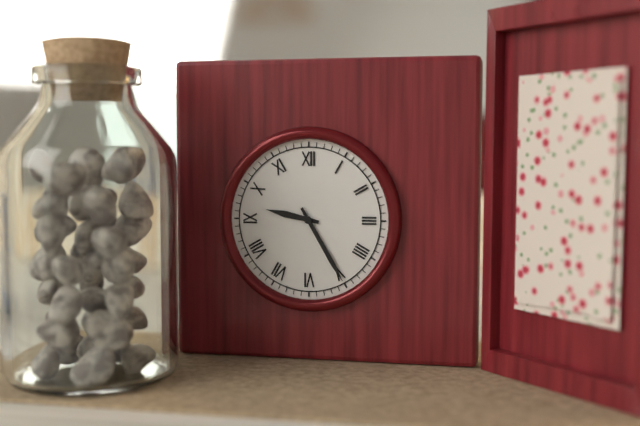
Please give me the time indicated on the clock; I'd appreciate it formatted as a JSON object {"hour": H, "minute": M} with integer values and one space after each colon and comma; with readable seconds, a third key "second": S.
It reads {"hour": 9, "minute": 25}
